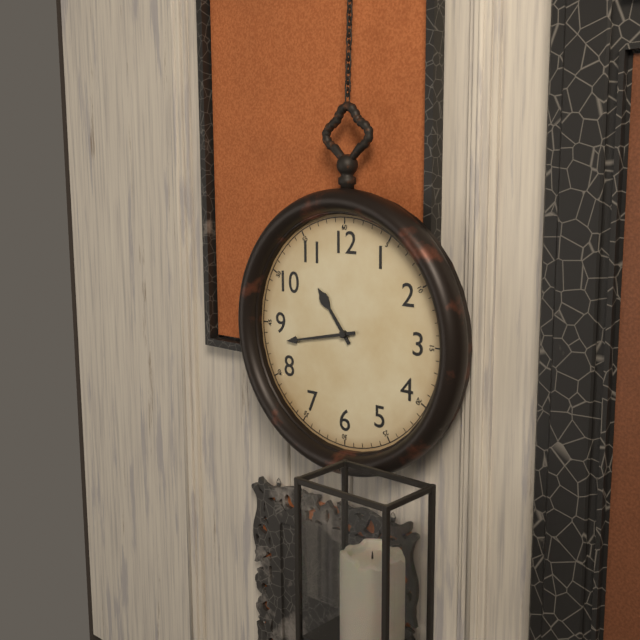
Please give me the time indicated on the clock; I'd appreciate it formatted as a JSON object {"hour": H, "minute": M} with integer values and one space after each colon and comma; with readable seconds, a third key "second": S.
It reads {"hour": 10, "minute": 43}
